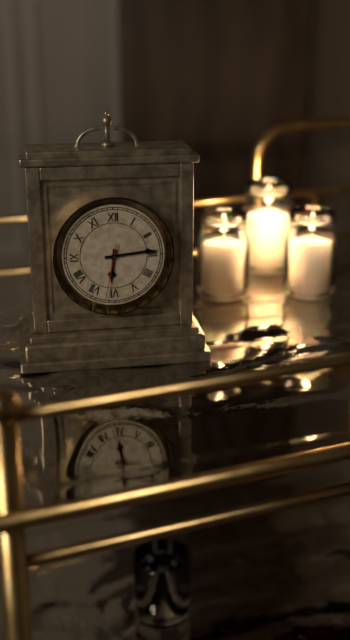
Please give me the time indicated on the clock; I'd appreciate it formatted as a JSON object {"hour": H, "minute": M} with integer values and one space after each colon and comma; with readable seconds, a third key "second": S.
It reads {"hour": 6, "minute": 14, "second": 32}
